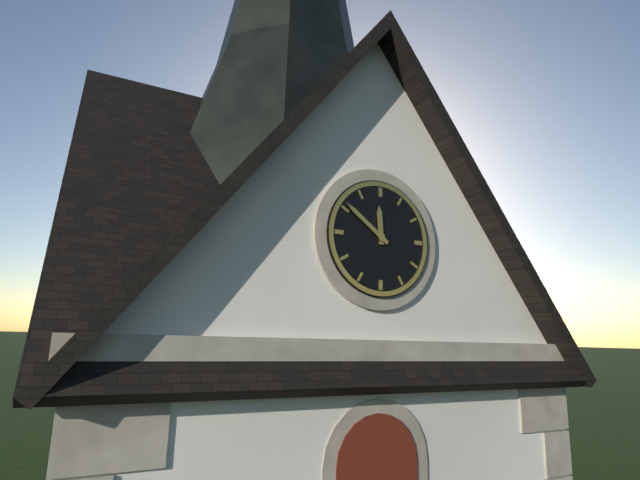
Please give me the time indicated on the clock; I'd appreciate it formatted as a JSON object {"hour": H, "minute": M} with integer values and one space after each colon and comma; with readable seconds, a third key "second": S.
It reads {"hour": 11, "minute": 51}
